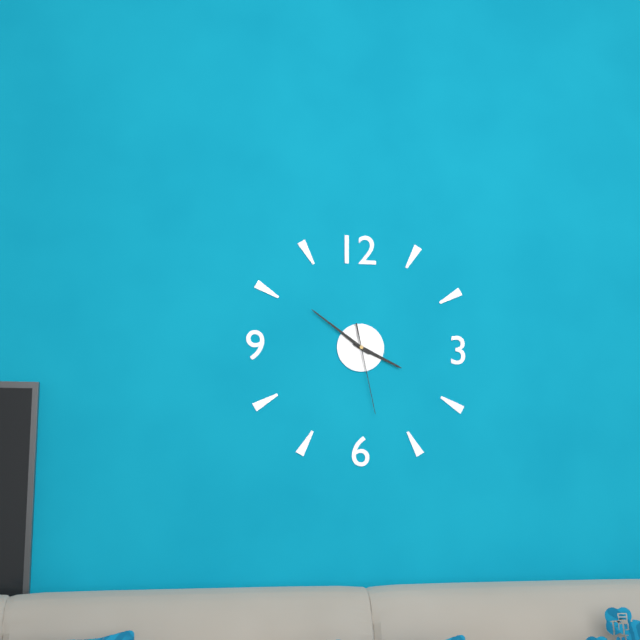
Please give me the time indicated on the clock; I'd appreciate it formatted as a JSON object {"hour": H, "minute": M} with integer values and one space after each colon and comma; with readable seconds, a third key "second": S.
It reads {"hour": 3, "minute": 51, "second": 28}
